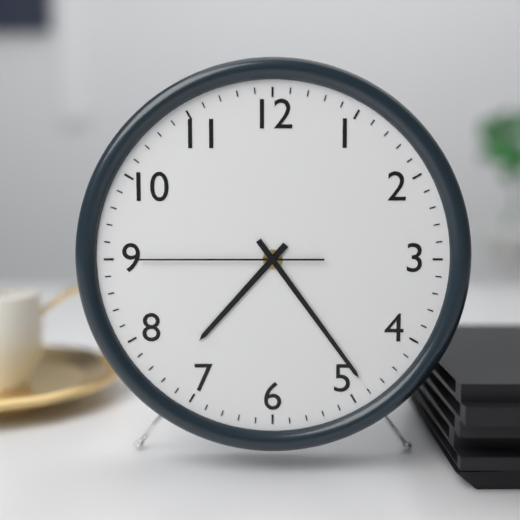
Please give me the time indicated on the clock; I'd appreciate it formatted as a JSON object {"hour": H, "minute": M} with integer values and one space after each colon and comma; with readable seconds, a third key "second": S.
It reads {"hour": 7, "minute": 24, "second": 45}
